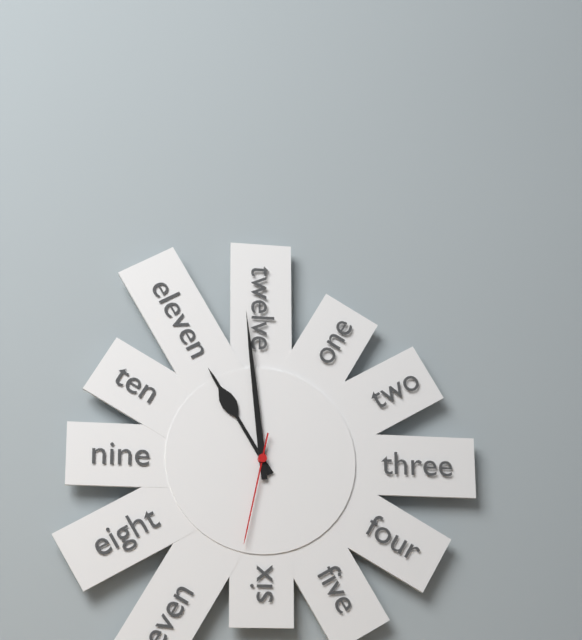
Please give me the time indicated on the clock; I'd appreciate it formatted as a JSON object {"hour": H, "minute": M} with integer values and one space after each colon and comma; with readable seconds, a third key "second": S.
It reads {"hour": 10, "minute": 59, "second": 32}
